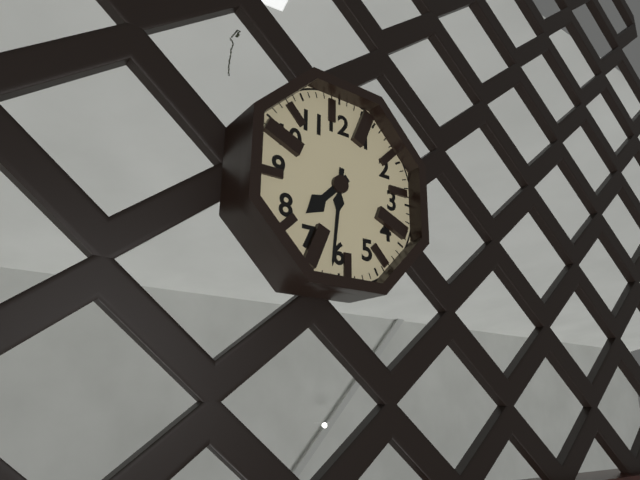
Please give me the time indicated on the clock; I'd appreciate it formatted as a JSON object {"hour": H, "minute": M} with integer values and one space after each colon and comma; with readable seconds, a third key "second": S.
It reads {"hour": 7, "minute": 31}
